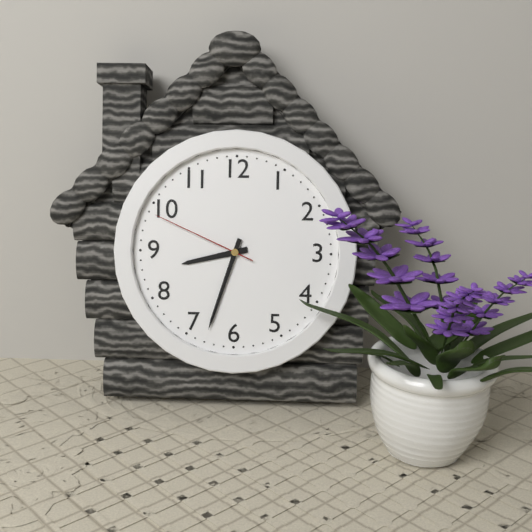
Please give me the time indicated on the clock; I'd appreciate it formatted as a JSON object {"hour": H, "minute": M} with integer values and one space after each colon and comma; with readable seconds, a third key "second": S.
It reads {"hour": 8, "minute": 33, "second": 49}
